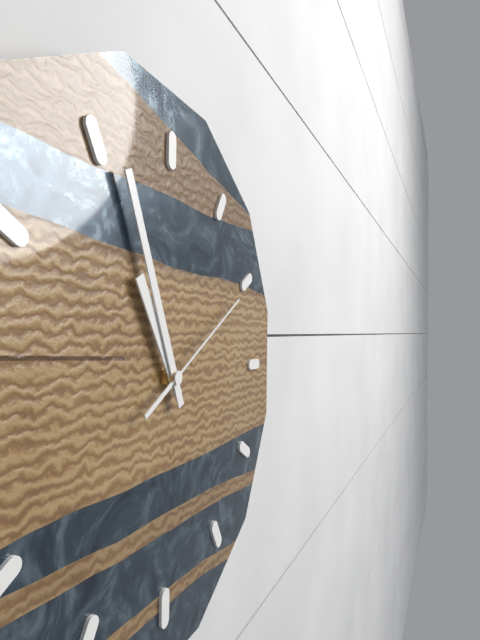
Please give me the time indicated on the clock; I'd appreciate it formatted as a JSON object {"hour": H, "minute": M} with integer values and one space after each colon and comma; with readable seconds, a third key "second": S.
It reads {"hour": 10, "minute": 56, "second": 10}
